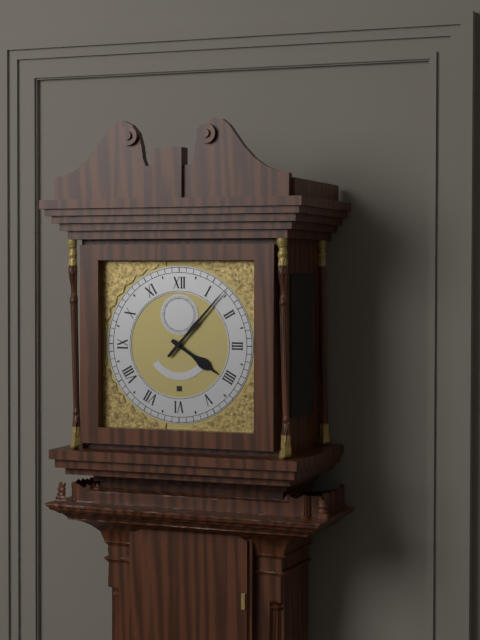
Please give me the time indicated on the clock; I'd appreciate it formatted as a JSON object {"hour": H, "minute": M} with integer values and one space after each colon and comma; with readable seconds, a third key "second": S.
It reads {"hour": 4, "minute": 7}
